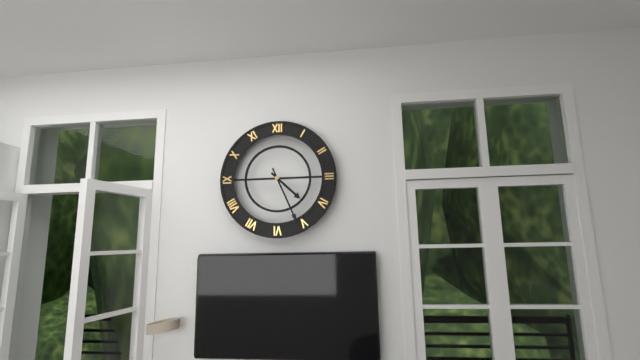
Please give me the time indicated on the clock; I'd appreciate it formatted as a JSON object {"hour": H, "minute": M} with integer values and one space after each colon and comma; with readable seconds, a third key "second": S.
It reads {"hour": 4, "minute": 26}
